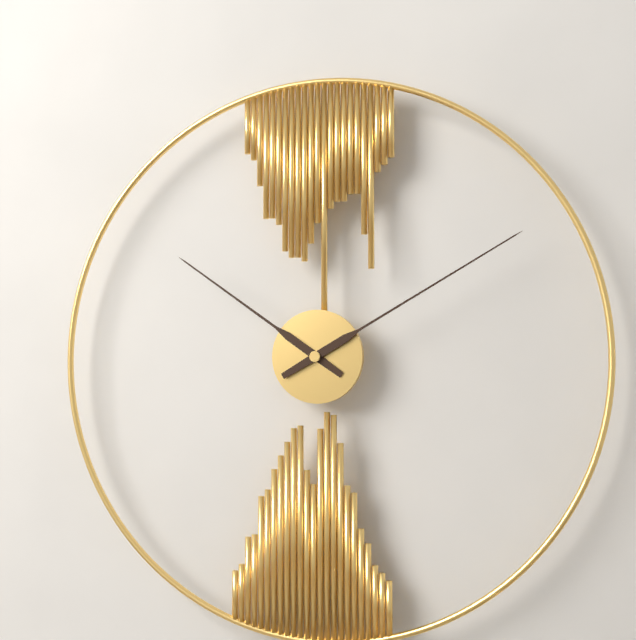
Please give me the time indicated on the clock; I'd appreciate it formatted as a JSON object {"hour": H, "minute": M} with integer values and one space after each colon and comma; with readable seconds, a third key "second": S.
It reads {"hour": 10, "minute": 10}
